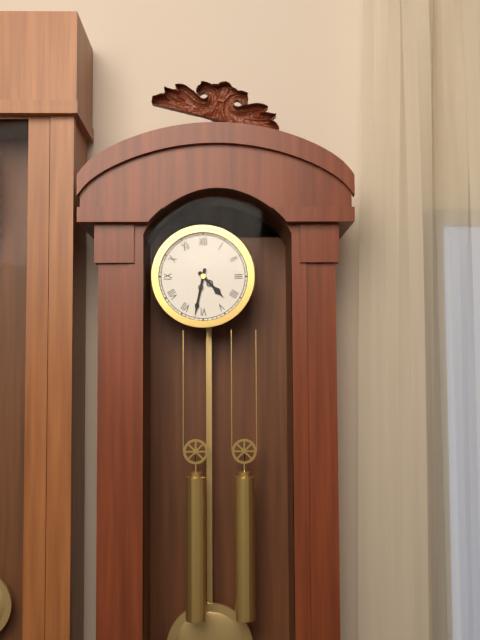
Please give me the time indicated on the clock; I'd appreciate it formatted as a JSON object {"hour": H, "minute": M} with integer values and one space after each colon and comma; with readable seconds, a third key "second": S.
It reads {"hour": 4, "minute": 32}
